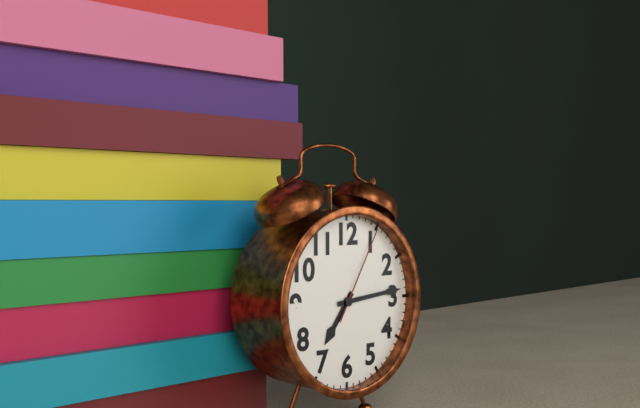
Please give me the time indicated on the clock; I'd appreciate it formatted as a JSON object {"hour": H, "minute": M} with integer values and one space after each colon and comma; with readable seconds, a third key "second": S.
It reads {"hour": 7, "minute": 14, "second": 5}
